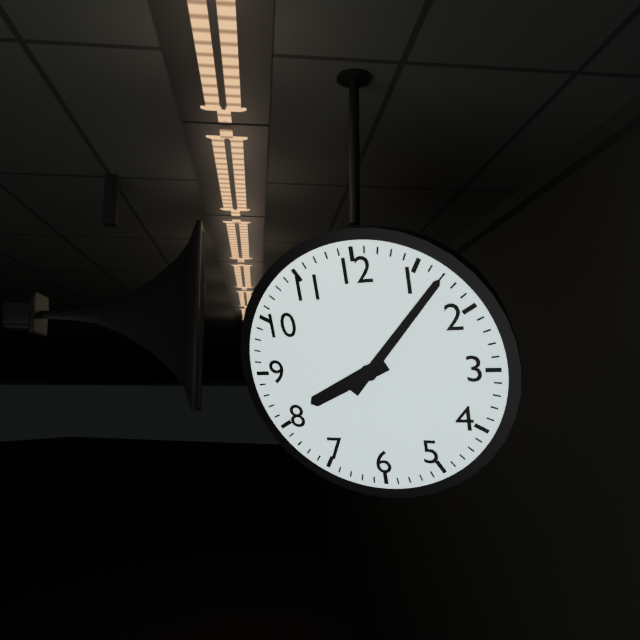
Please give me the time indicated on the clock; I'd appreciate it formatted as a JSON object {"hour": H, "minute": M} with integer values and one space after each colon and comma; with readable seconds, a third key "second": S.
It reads {"hour": 8, "minute": 7}
